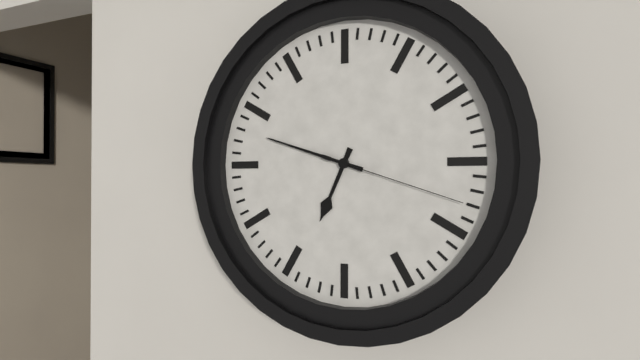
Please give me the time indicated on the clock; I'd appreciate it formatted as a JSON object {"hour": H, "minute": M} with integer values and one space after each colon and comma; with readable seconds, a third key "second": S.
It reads {"hour": 6, "minute": 48, "second": 18}
